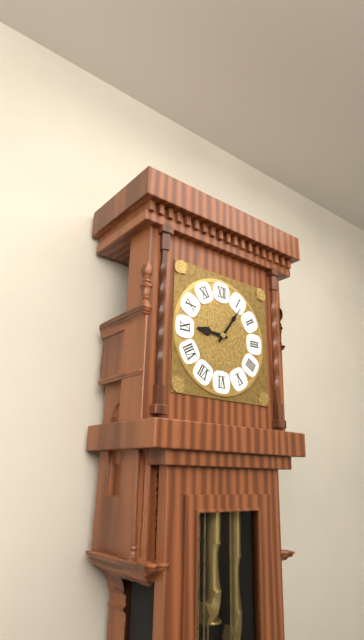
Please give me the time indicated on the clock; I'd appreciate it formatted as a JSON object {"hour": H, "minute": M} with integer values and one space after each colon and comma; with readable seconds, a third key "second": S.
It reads {"hour": 9, "minute": 6}
